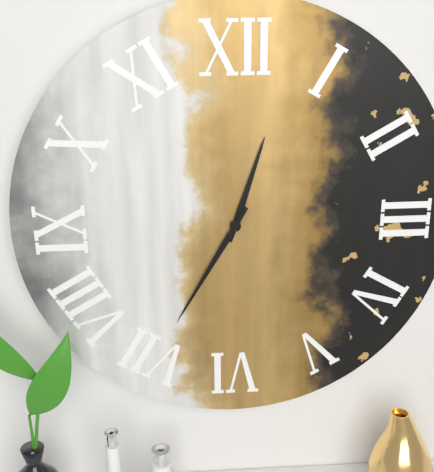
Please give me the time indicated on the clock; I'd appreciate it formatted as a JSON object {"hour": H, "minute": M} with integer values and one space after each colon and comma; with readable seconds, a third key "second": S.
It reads {"hour": 12, "minute": 35}
